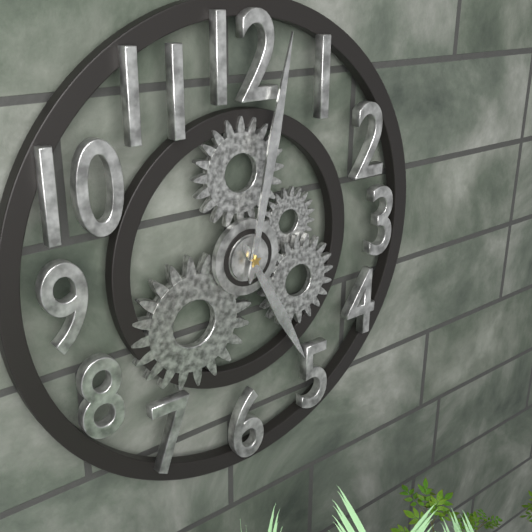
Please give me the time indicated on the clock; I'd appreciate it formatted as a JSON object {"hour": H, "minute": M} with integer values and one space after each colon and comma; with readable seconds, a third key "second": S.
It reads {"hour": 5, "minute": 2}
